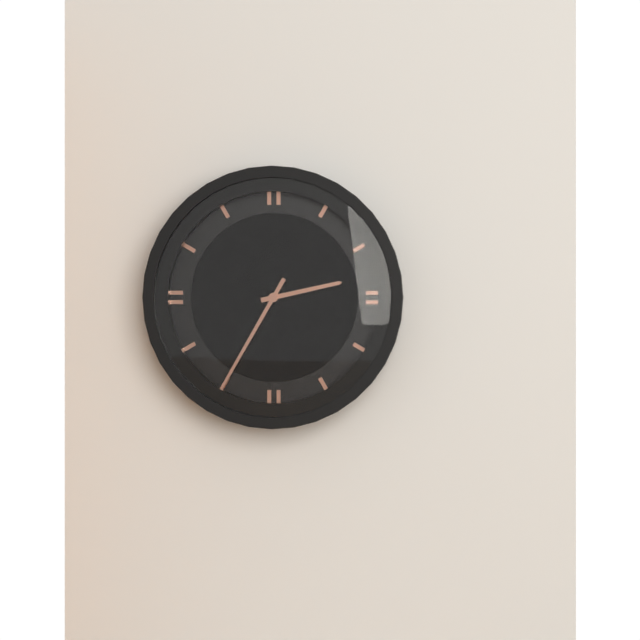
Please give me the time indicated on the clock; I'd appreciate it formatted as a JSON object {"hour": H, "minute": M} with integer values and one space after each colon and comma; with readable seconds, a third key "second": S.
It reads {"hour": 2, "minute": 35}
